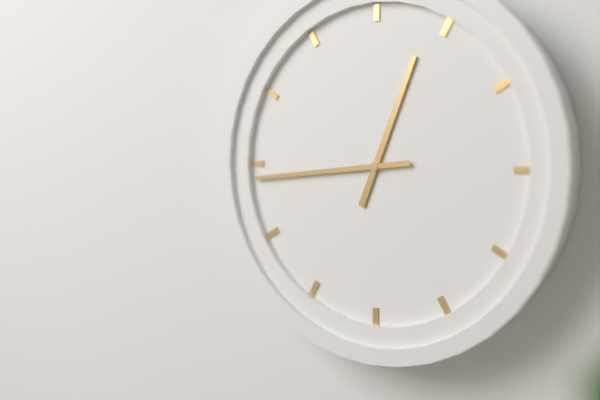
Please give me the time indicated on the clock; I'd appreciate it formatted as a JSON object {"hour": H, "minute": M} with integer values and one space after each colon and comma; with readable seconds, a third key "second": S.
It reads {"hour": 12, "minute": 44}
